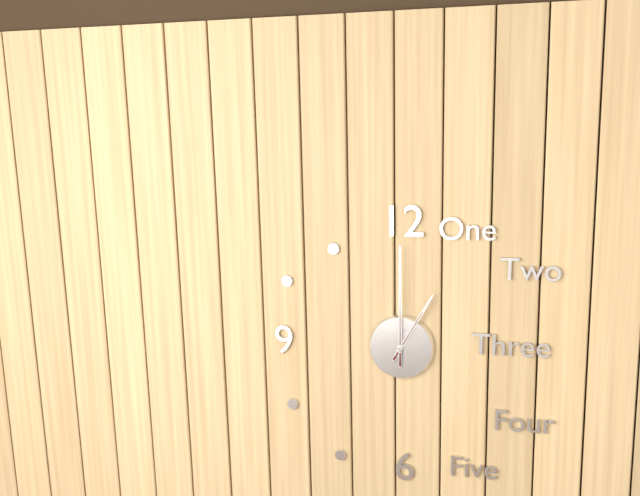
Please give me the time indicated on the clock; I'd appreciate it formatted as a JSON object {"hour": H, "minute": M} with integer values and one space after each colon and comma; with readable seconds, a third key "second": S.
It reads {"hour": 1, "minute": 0}
